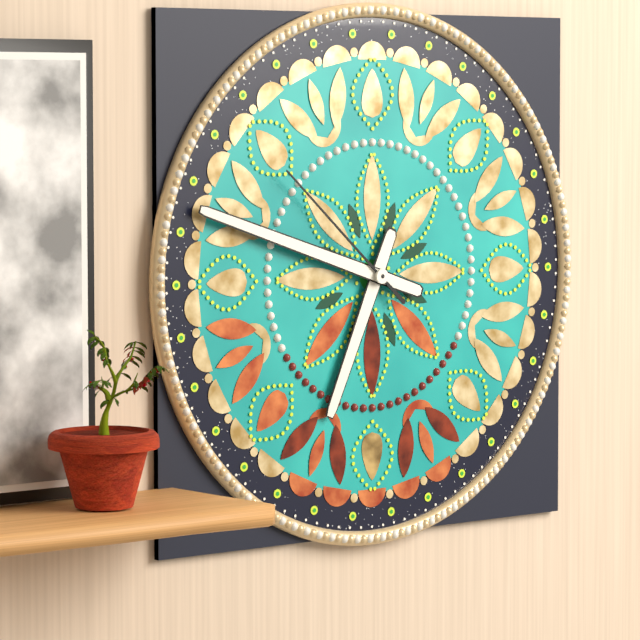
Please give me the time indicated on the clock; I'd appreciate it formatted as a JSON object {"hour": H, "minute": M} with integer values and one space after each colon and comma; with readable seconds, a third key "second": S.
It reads {"hour": 6, "minute": 48, "second": 52}
